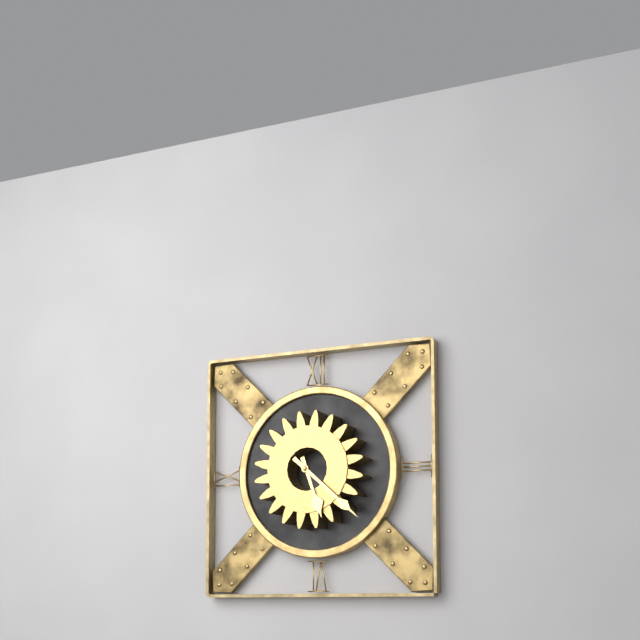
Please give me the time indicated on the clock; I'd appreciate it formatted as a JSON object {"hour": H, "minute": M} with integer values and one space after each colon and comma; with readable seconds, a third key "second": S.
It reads {"hour": 5, "minute": 22}
